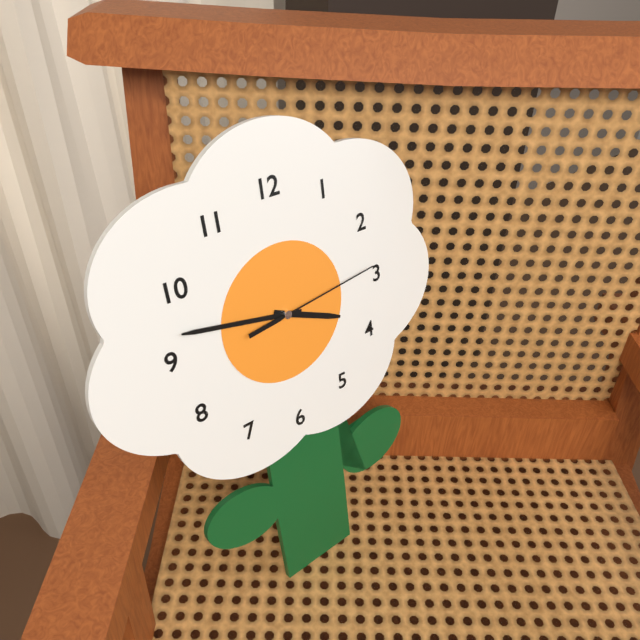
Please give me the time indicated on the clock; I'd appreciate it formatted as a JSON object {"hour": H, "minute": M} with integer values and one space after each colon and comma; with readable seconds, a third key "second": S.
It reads {"hour": 3, "minute": 47, "second": 14}
